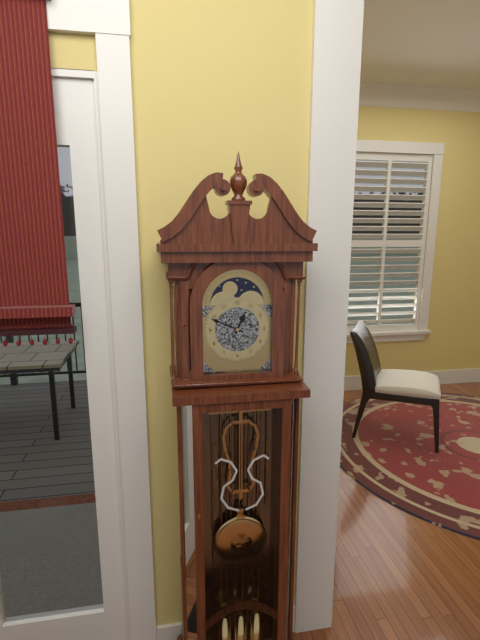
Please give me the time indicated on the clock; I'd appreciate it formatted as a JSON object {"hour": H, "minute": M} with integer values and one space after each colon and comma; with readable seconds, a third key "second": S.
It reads {"hour": 12, "minute": 49}
